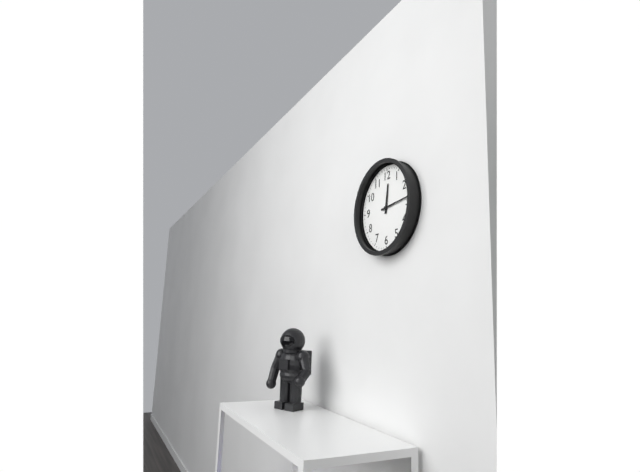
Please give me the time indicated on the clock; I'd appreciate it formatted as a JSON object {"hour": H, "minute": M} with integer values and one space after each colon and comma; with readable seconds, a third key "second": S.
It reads {"hour": 12, "minute": 14}
